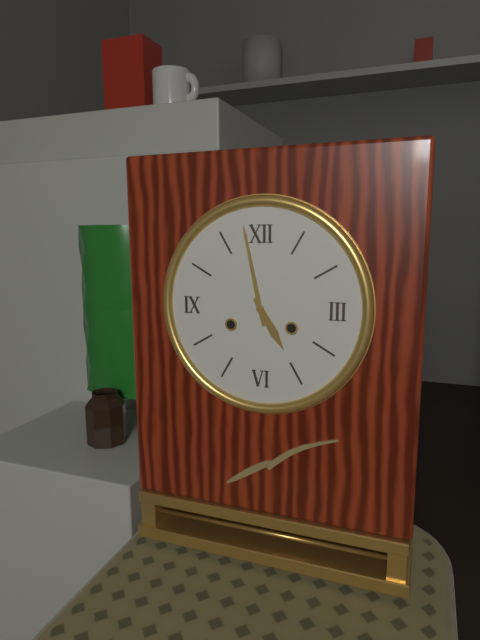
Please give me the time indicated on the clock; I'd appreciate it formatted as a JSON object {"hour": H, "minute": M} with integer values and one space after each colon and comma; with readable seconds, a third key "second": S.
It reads {"hour": 4, "minute": 58}
